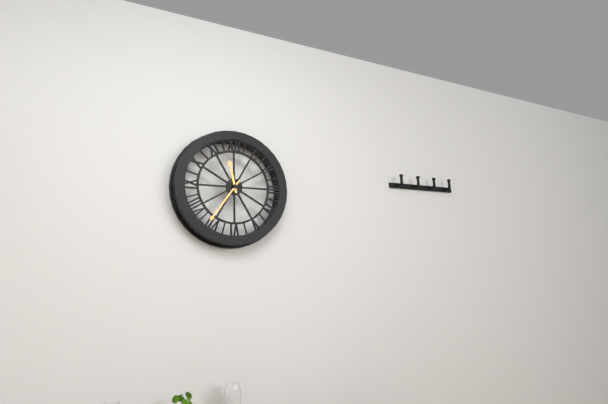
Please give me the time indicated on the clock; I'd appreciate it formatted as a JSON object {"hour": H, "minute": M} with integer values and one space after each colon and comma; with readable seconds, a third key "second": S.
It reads {"hour": 11, "minute": 36}
